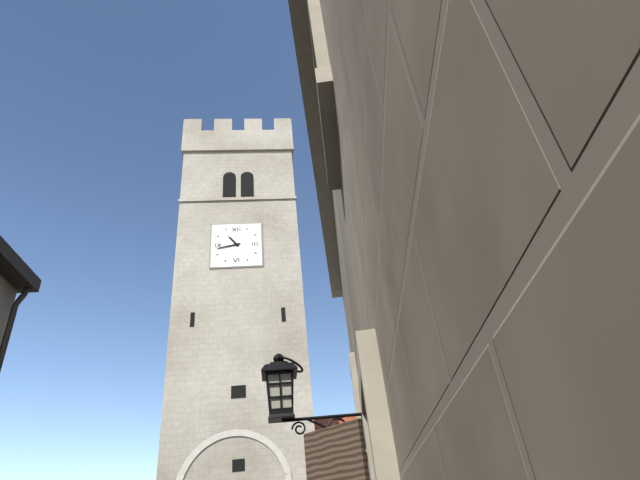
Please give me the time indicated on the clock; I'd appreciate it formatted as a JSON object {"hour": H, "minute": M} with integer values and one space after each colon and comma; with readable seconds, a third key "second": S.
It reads {"hour": 10, "minute": 43}
